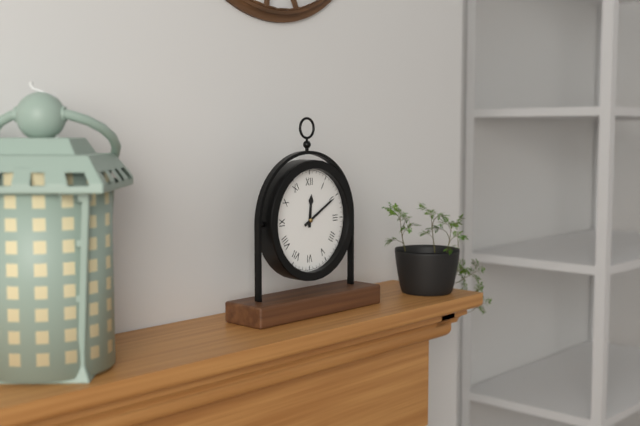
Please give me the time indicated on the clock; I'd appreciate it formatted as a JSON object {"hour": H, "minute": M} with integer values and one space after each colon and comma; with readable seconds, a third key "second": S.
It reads {"hour": 12, "minute": 10}
